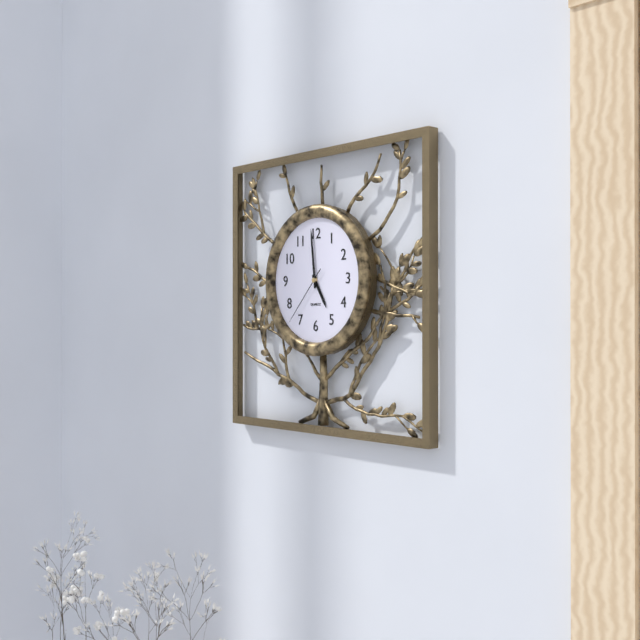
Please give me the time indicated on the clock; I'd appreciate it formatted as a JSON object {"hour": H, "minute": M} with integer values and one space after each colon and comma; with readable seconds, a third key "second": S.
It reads {"hour": 4, "minute": 59, "second": 37}
